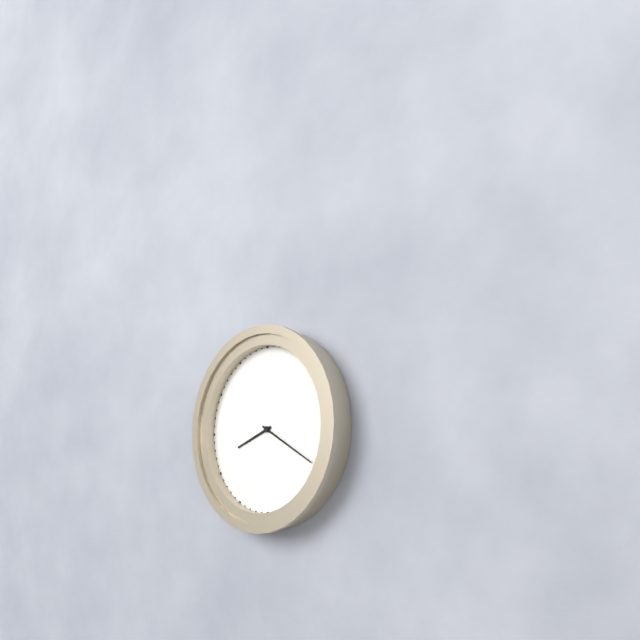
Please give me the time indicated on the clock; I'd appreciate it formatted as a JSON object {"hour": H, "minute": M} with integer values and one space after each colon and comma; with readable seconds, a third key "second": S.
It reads {"hour": 8, "minute": 20}
